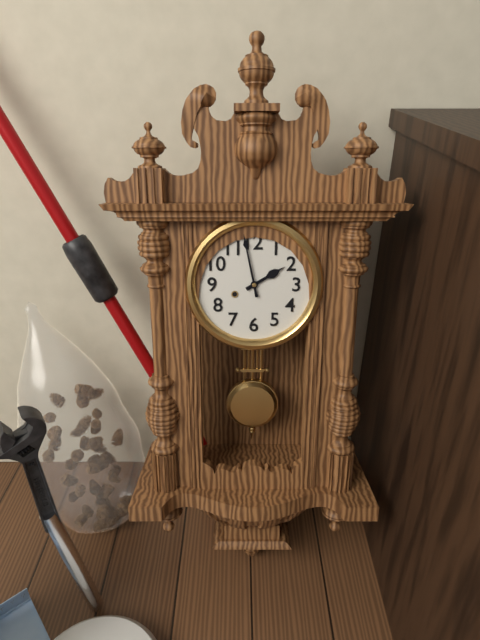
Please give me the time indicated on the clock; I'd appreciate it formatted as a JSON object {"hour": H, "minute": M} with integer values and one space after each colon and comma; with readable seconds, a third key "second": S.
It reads {"hour": 1, "minute": 58}
